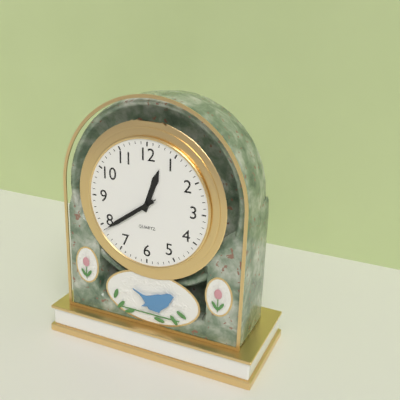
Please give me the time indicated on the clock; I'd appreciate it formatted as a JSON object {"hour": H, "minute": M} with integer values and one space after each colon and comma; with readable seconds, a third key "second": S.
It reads {"hour": 12, "minute": 39, "second": 39}
